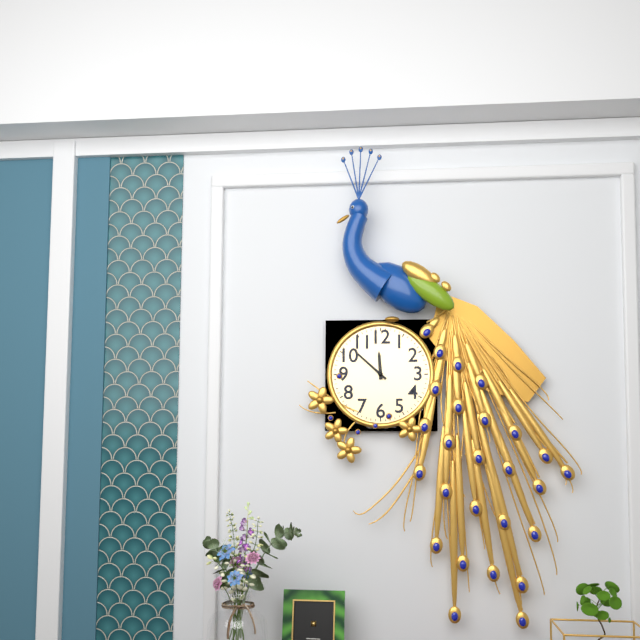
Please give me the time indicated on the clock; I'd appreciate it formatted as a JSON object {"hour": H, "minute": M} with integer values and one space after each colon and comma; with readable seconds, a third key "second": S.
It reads {"hour": 11, "minute": 52}
